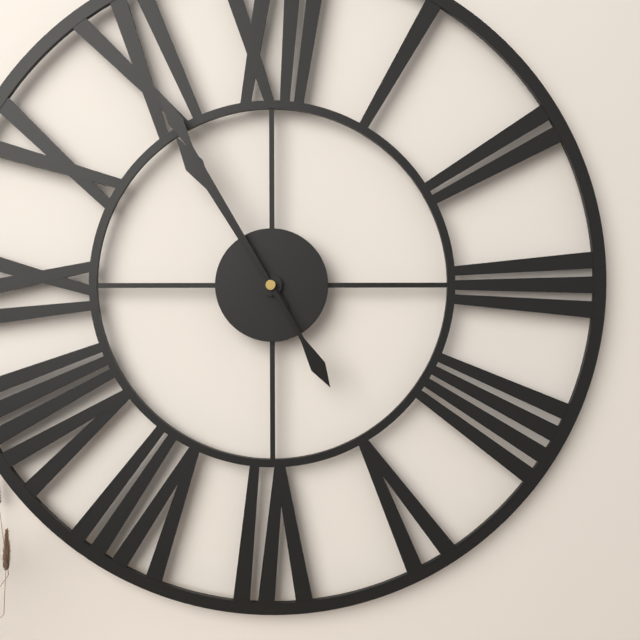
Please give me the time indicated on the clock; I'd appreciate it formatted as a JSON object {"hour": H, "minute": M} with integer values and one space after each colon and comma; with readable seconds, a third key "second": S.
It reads {"hour": 10, "minute": 55}
